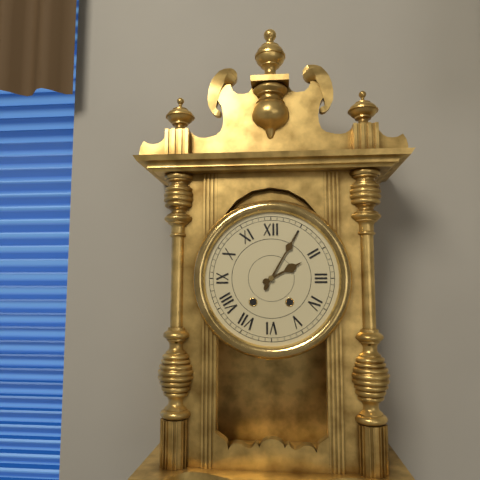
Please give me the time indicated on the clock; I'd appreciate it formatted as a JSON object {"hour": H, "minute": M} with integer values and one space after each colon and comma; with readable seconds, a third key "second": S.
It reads {"hour": 2, "minute": 5}
